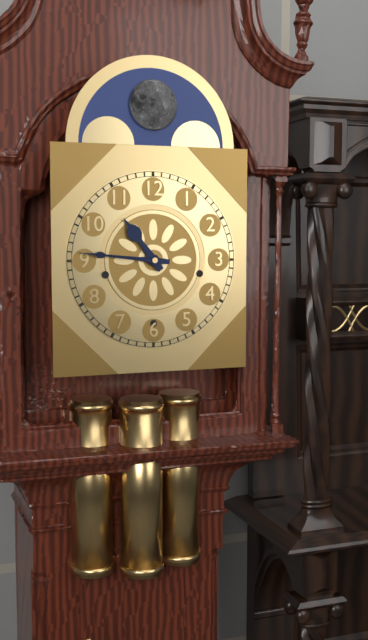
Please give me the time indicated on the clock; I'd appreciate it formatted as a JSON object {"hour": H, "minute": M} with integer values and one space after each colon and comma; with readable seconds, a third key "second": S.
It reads {"hour": 10, "minute": 46}
